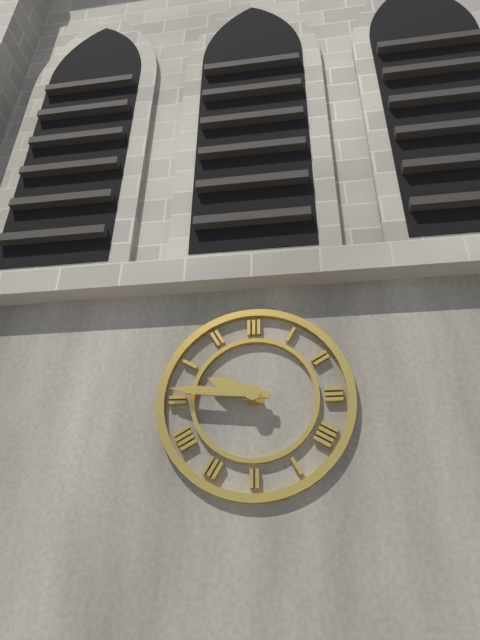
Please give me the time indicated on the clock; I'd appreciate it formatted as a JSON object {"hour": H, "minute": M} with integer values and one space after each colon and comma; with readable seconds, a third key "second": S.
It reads {"hour": 9, "minute": 46}
